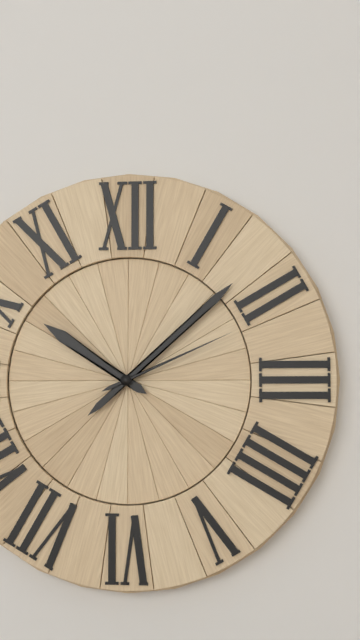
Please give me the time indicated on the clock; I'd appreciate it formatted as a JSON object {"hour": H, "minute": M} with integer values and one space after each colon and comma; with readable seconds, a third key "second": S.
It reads {"hour": 10, "minute": 8, "second": 11}
